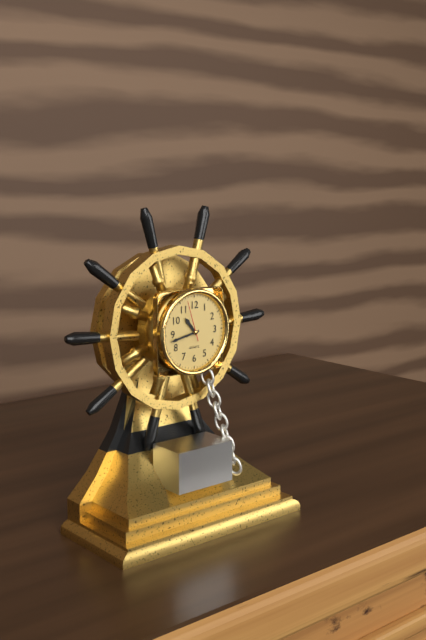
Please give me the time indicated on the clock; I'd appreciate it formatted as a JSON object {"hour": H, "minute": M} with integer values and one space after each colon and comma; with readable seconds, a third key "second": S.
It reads {"hour": 10, "minute": 43}
